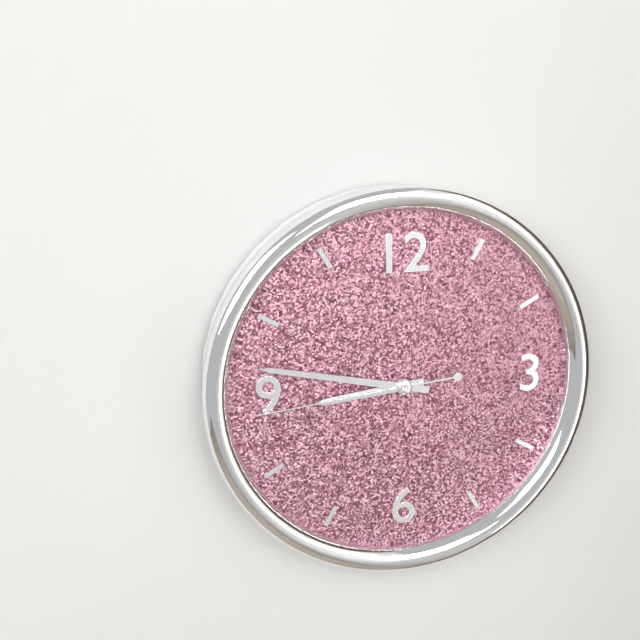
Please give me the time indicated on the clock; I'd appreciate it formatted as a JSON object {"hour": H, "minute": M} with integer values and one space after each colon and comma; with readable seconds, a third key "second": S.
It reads {"hour": 8, "minute": 47, "second": 44}
